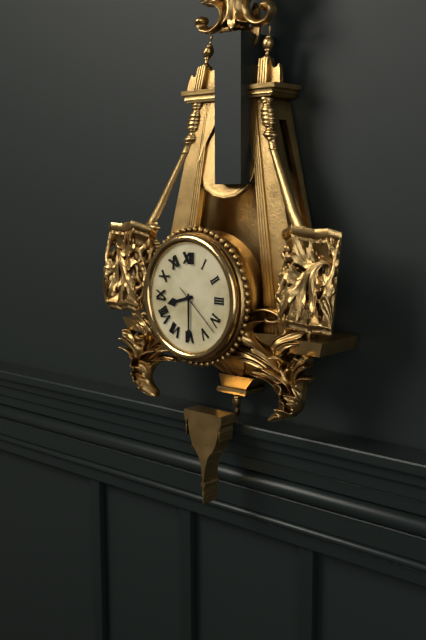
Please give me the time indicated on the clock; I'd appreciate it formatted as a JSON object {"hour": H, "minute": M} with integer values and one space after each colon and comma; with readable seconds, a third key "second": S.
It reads {"hour": 8, "minute": 30, "second": 22}
